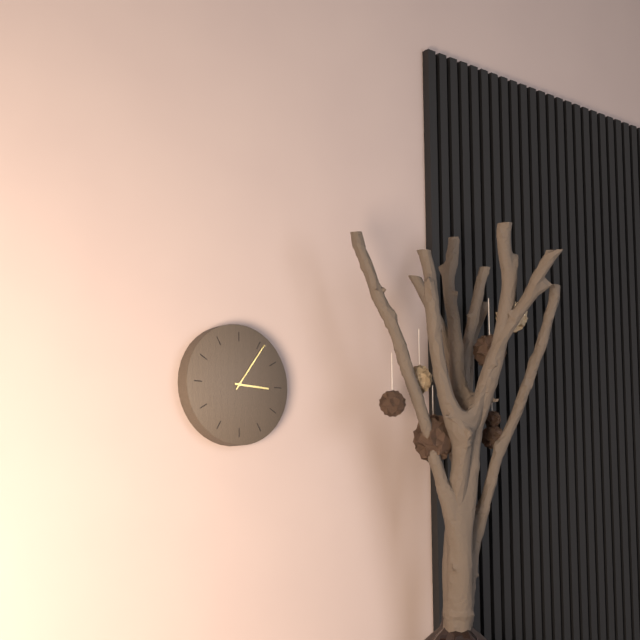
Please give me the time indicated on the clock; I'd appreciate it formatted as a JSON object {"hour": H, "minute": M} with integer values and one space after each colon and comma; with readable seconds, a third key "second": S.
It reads {"hour": 3, "minute": 6}
